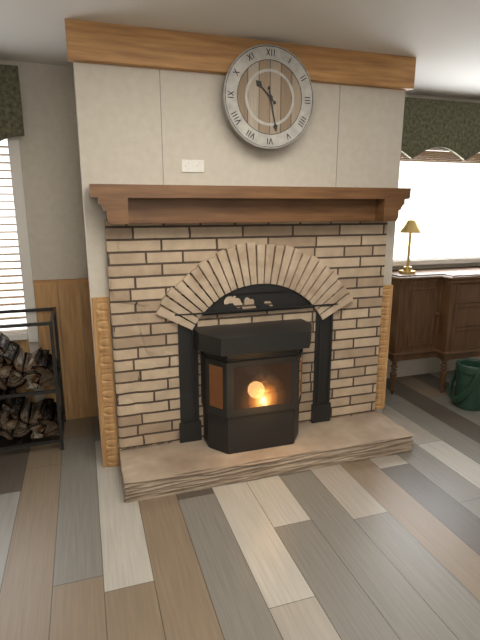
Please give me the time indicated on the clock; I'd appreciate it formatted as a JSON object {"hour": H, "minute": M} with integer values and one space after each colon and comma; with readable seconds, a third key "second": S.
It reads {"hour": 10, "minute": 28}
